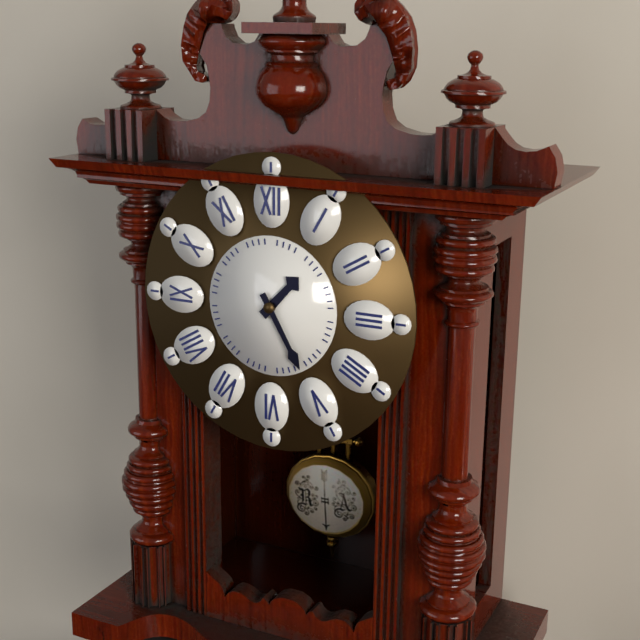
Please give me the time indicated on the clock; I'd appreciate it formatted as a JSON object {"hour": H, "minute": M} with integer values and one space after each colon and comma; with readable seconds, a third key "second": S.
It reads {"hour": 1, "minute": 25}
